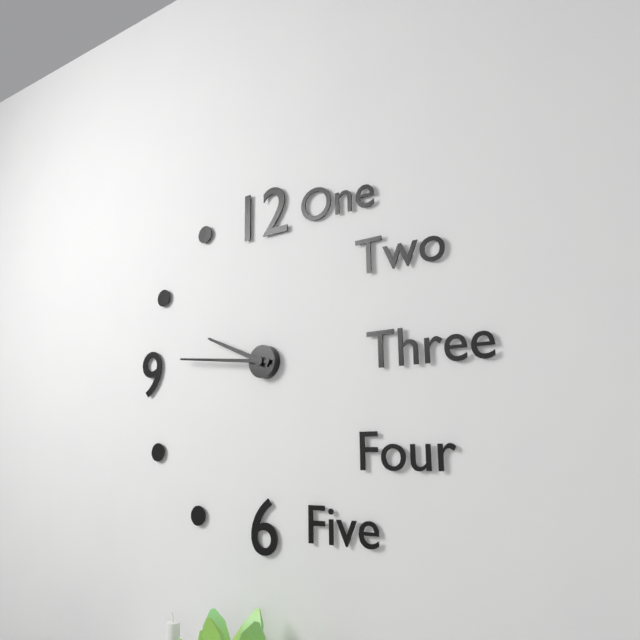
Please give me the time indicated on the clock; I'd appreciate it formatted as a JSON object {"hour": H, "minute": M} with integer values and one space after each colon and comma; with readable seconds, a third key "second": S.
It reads {"hour": 9, "minute": 46}
